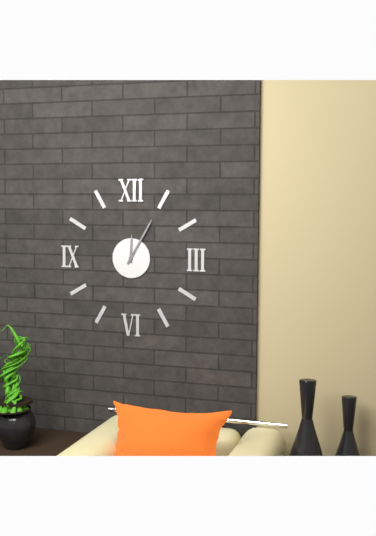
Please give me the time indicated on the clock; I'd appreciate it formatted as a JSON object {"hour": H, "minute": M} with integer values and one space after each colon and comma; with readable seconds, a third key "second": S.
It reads {"hour": 12, "minute": 5}
